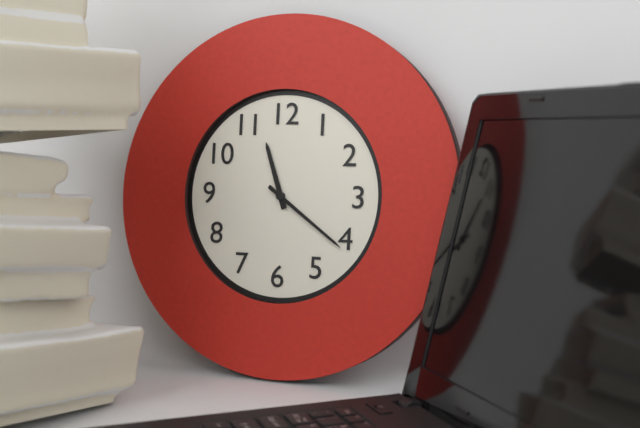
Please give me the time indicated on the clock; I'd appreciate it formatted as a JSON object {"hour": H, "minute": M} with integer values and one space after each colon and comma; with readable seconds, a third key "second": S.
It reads {"hour": 11, "minute": 21}
